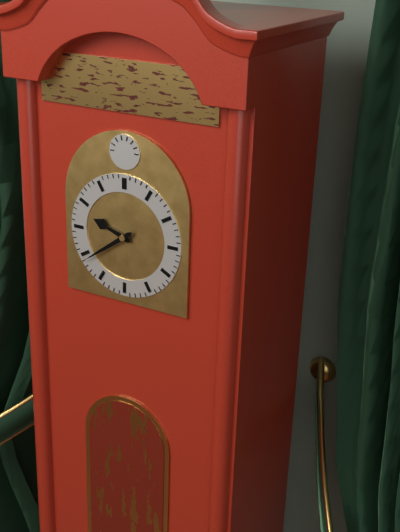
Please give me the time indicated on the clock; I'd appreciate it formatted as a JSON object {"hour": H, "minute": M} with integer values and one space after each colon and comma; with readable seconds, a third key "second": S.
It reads {"hour": 9, "minute": 39}
